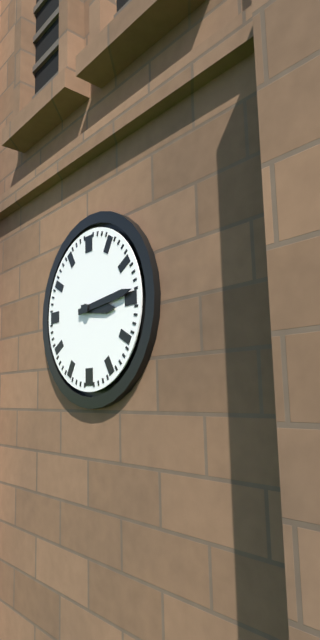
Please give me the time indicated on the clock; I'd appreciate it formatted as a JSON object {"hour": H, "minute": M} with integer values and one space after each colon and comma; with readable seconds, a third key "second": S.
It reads {"hour": 3, "minute": 14}
